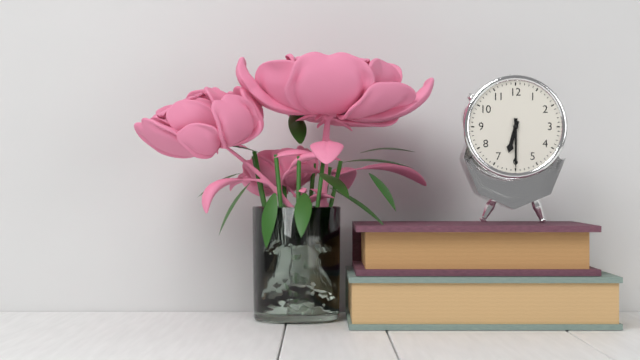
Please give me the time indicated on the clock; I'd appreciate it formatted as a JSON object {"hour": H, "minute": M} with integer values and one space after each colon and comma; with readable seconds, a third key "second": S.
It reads {"hour": 6, "minute": 30}
